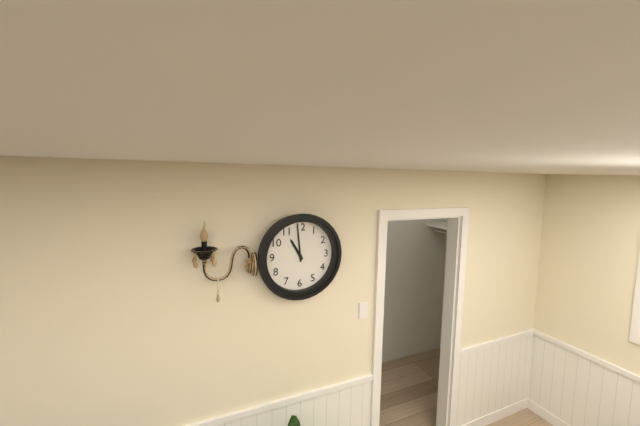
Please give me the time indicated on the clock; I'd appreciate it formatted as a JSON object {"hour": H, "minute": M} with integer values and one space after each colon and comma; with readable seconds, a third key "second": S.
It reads {"hour": 10, "minute": 59}
